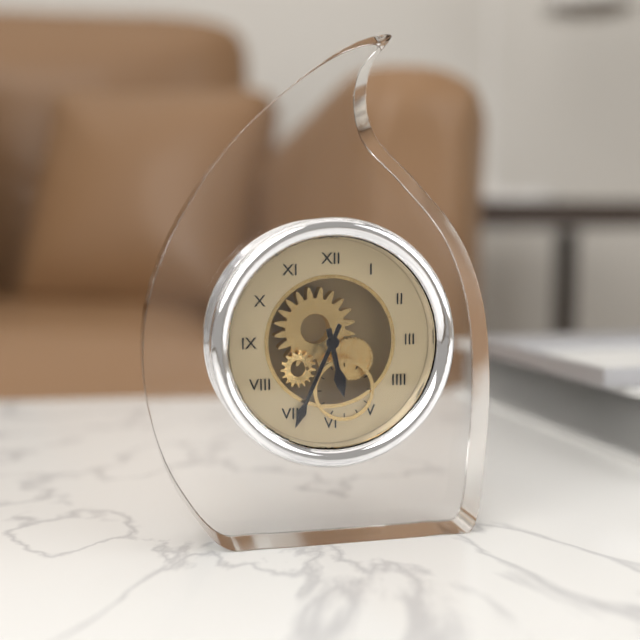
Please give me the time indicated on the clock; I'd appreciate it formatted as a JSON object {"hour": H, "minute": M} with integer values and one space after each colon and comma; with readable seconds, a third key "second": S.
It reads {"hour": 5, "minute": 34}
